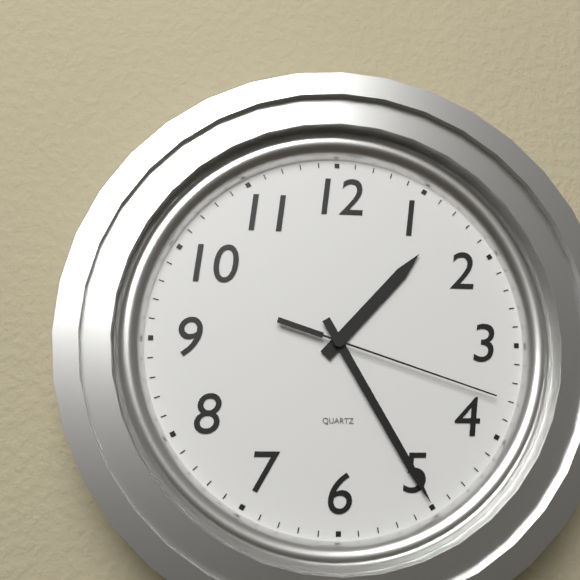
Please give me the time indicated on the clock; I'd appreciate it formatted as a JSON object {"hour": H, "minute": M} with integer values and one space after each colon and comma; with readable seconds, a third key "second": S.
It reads {"hour": 1, "minute": 25, "second": 18}
